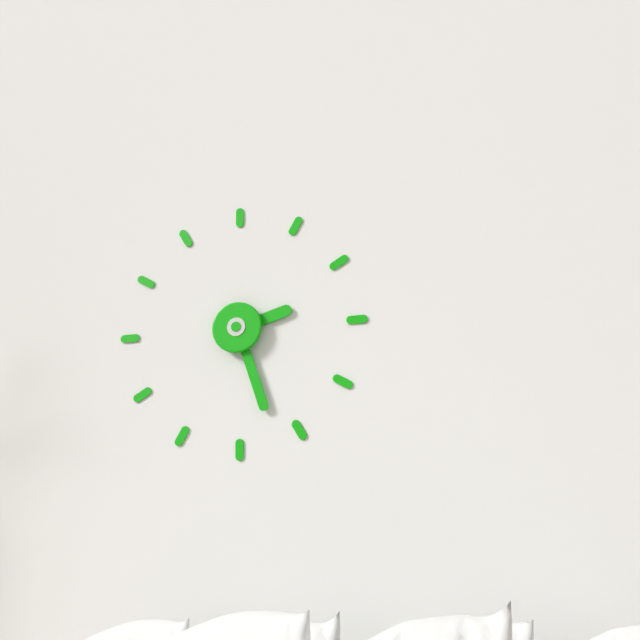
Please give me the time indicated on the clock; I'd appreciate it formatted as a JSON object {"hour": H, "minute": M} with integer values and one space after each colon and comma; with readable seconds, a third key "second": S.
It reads {"hour": 2, "minute": 27}
